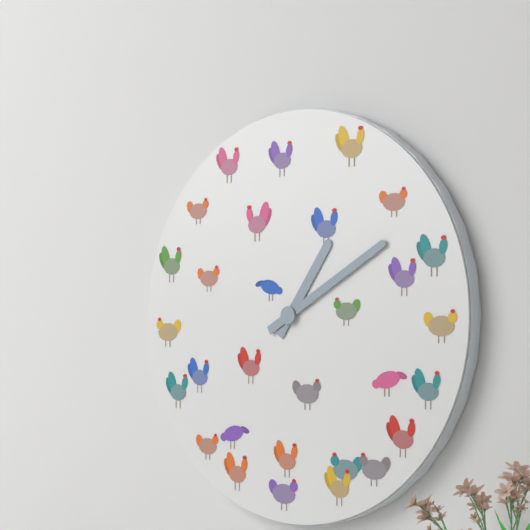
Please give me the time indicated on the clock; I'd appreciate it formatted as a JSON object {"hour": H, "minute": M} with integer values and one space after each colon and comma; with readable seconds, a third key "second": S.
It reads {"hour": 1, "minute": 10}
